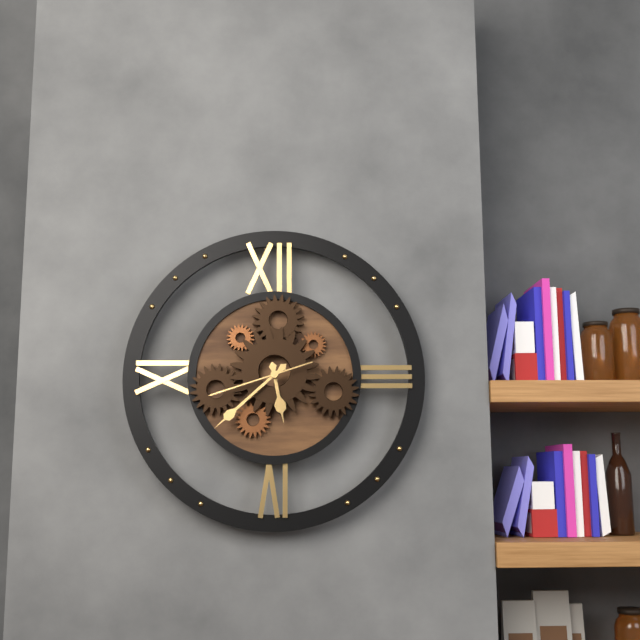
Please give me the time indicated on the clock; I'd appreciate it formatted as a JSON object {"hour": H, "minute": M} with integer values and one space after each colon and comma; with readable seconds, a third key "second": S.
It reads {"hour": 5, "minute": 38, "second": 42}
